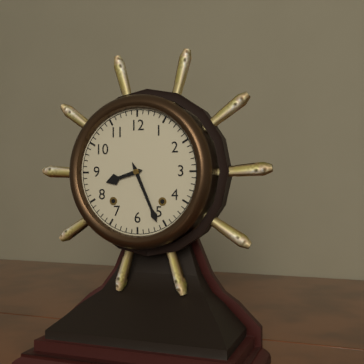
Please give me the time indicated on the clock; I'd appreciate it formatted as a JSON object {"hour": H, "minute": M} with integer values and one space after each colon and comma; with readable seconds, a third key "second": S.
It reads {"hour": 8, "minute": 26}
